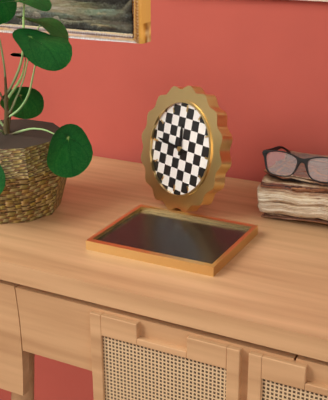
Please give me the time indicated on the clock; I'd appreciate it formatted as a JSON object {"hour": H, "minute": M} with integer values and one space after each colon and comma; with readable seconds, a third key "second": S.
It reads {"hour": 11, "minute": 46}
